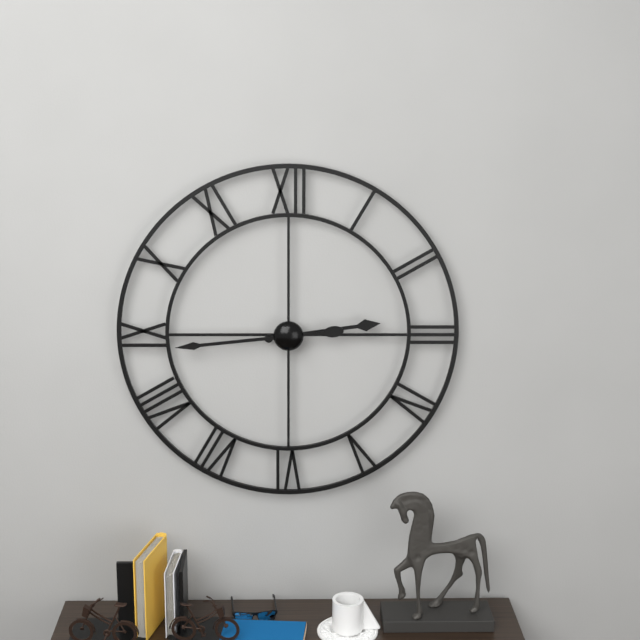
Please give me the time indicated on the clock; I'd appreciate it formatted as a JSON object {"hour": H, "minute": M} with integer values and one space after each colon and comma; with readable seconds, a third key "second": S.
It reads {"hour": 2, "minute": 44}
